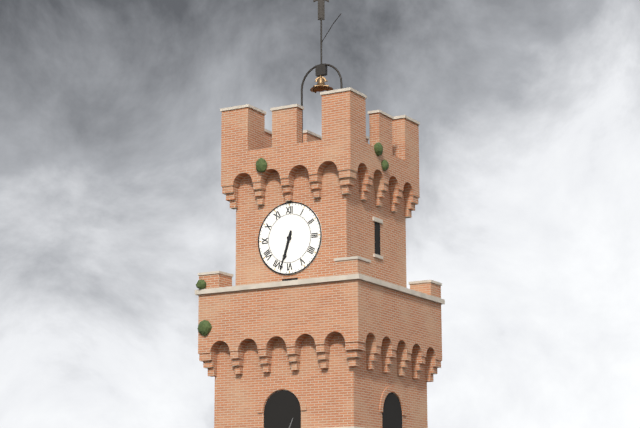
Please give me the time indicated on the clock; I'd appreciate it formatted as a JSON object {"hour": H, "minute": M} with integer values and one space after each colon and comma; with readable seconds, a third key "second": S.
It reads {"hour": 6, "minute": 33}
